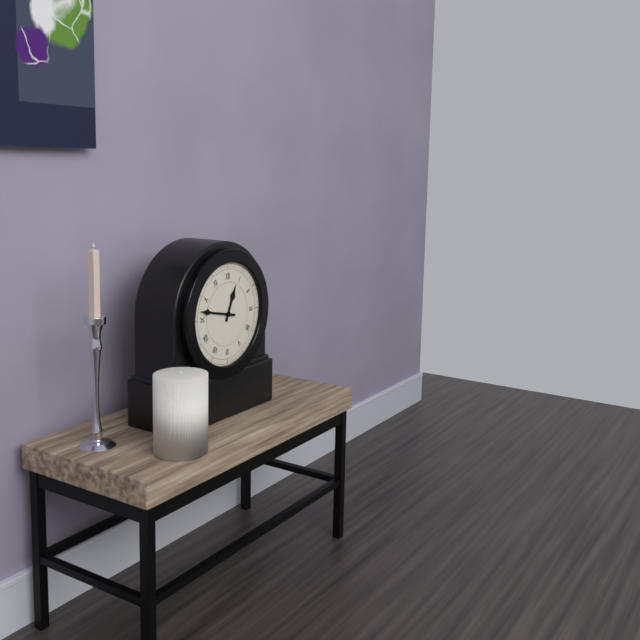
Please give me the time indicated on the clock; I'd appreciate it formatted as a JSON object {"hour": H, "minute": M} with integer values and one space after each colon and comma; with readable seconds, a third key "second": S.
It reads {"hour": 12, "minute": 47}
